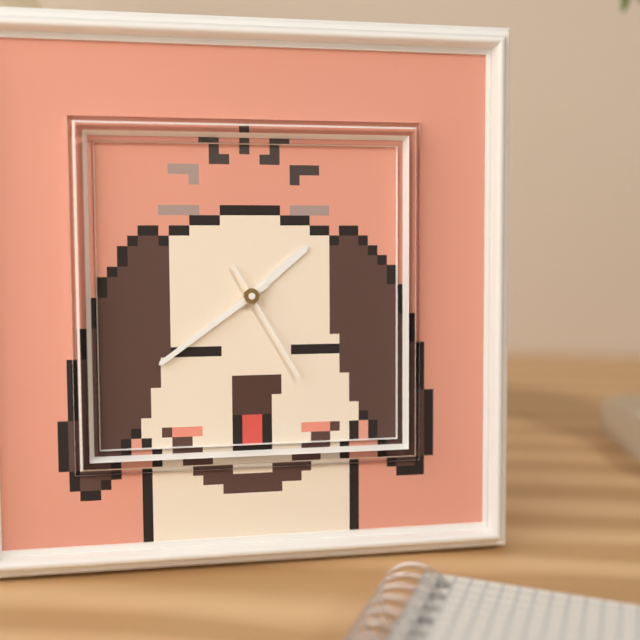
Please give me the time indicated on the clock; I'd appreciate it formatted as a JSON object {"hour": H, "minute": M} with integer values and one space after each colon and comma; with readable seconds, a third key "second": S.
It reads {"hour": 1, "minute": 39, "second": 25}
